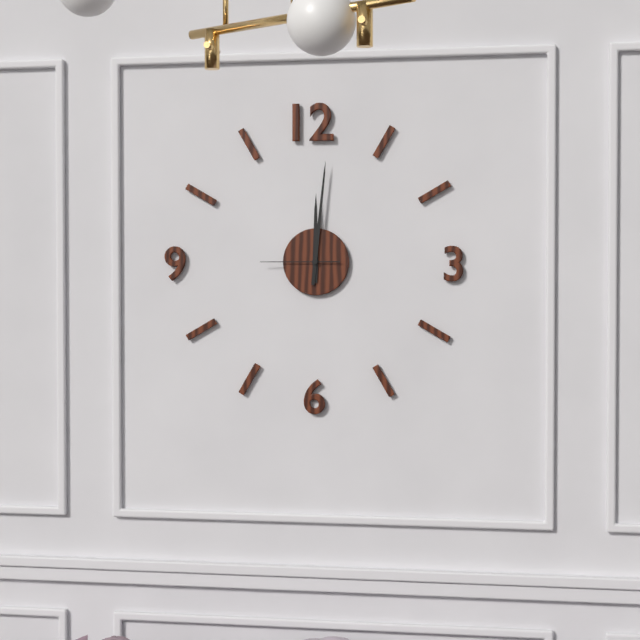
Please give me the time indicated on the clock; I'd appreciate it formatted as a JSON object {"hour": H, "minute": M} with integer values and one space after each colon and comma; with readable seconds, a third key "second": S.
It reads {"hour": 12, "minute": 1, "second": 45}
